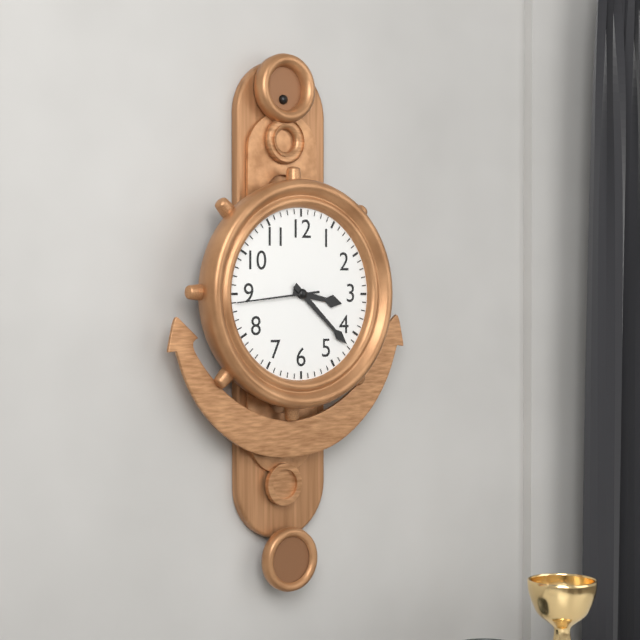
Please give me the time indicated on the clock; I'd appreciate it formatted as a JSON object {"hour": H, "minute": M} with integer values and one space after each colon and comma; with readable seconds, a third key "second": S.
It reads {"hour": 3, "minute": 22, "second": 44}
